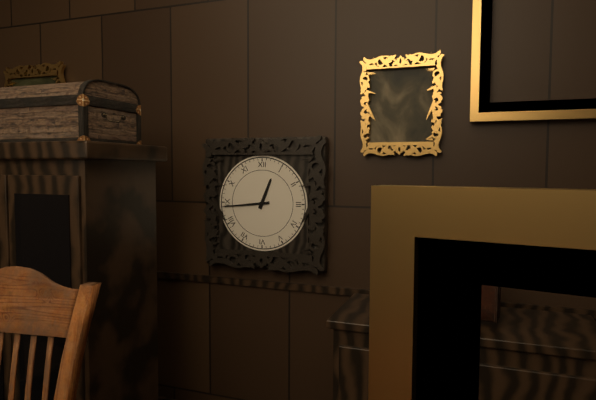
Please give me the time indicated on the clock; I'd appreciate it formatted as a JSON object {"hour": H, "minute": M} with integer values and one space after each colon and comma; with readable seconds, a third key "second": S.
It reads {"hour": 12, "minute": 44}
